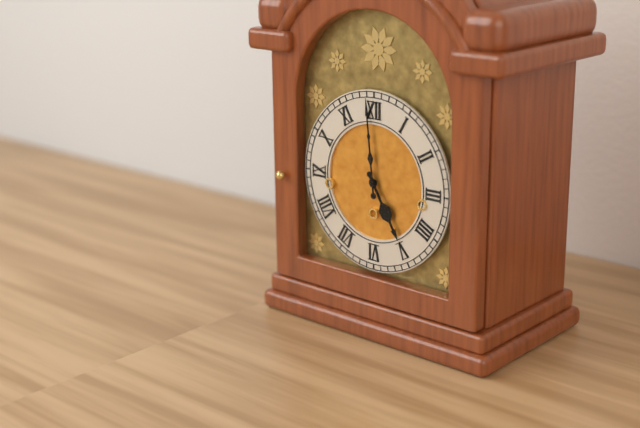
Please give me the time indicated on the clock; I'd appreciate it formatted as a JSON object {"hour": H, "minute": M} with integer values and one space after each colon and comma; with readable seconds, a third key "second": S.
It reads {"hour": 4, "minute": 59}
